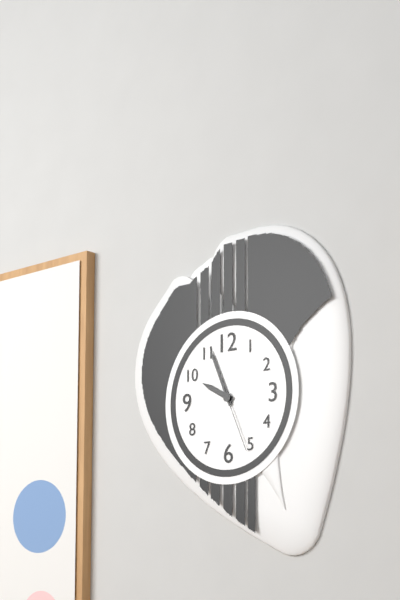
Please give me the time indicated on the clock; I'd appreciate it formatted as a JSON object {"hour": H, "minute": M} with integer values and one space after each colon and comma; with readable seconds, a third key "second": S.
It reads {"hour": 9, "minute": 56, "second": 26}
